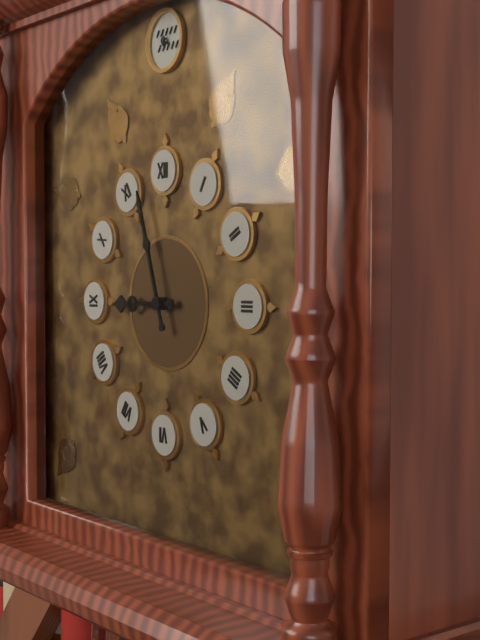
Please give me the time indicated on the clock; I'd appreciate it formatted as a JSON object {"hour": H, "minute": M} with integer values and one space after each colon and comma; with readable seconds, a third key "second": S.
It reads {"hour": 8, "minute": 57}
